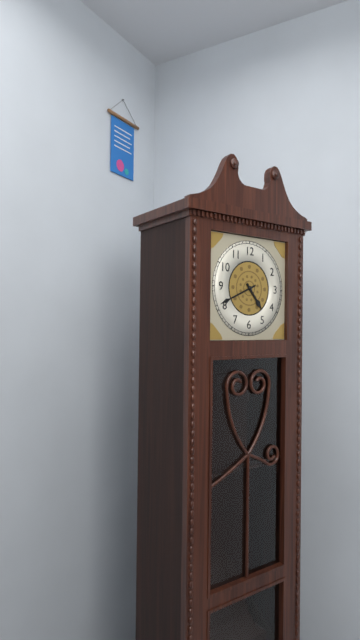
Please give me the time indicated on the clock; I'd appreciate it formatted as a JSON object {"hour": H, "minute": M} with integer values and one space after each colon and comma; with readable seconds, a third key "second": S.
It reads {"hour": 4, "minute": 41}
